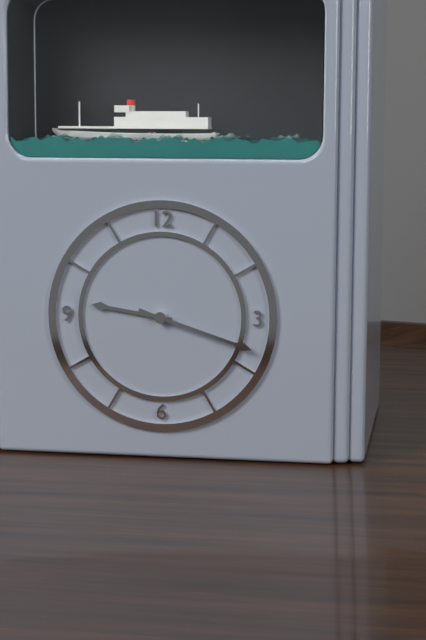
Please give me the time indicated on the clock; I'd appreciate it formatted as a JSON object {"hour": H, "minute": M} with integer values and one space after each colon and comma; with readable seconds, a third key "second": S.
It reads {"hour": 9, "minute": 18}
